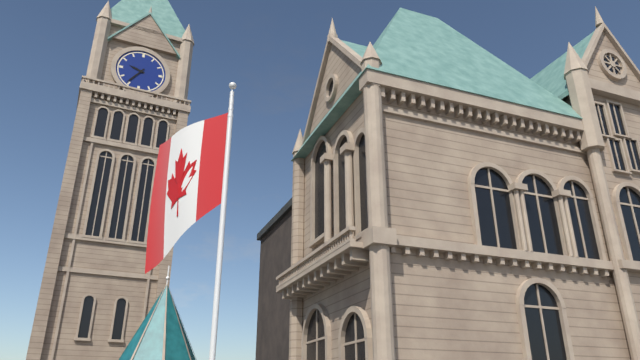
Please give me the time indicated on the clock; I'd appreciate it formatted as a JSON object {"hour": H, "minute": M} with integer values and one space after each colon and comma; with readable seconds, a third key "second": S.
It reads {"hour": 9, "minute": 36}
